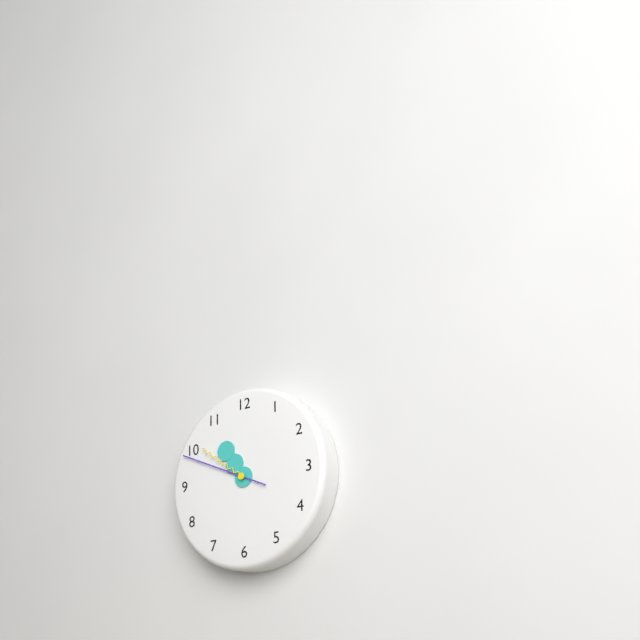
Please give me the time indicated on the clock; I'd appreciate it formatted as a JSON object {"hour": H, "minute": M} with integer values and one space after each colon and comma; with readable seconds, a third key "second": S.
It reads {"hour": 10, "minute": 49, "second": 51}
